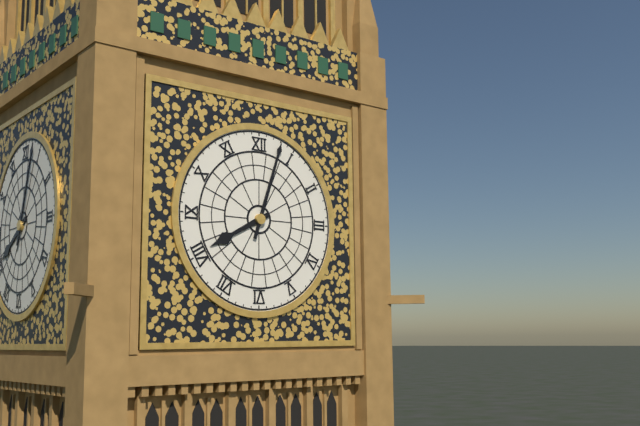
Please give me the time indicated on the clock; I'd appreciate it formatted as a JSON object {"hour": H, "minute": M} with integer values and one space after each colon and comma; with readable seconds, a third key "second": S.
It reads {"hour": 8, "minute": 3}
